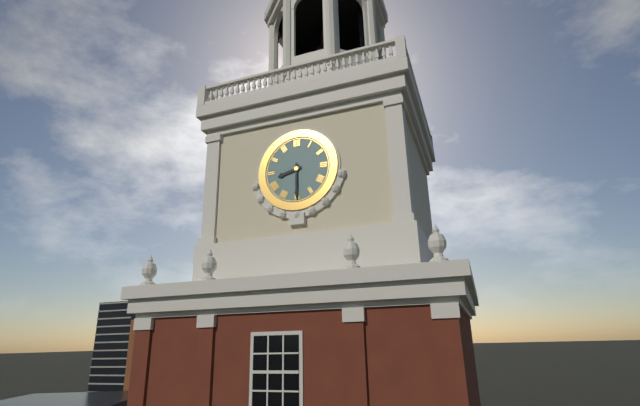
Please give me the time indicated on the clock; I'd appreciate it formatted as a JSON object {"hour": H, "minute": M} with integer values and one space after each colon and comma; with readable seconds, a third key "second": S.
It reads {"hour": 8, "minute": 30}
